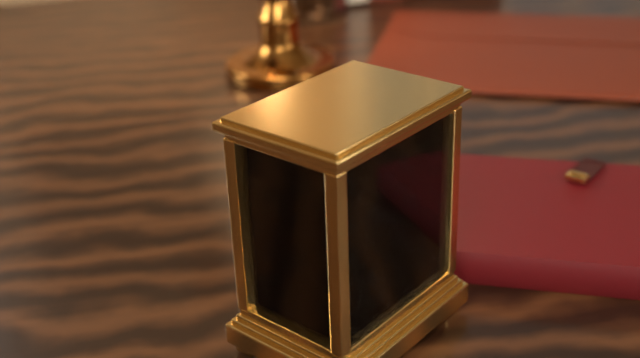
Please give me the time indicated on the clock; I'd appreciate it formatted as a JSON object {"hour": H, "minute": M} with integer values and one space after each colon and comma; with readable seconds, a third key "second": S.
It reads {"hour": 12, "minute": 10}
